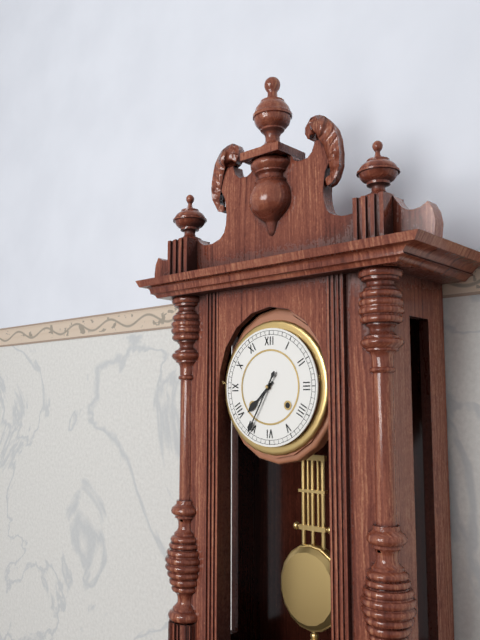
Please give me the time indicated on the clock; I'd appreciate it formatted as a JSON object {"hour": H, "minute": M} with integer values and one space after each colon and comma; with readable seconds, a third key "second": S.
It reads {"hour": 7, "minute": 35}
